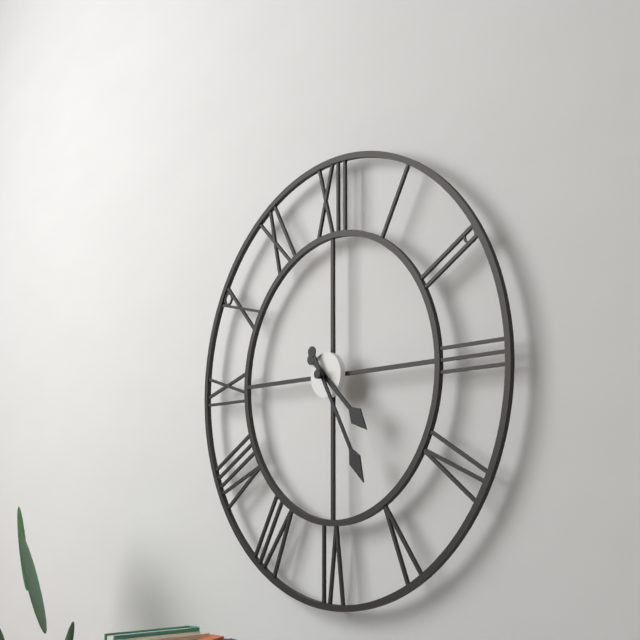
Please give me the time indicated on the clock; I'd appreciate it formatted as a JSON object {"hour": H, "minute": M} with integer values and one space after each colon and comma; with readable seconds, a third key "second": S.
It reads {"hour": 4, "minute": 25}
